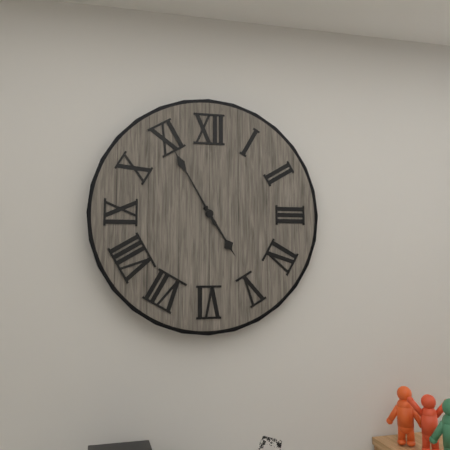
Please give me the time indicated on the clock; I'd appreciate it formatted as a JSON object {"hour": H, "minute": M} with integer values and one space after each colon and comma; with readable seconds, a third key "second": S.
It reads {"hour": 4, "minute": 55}
